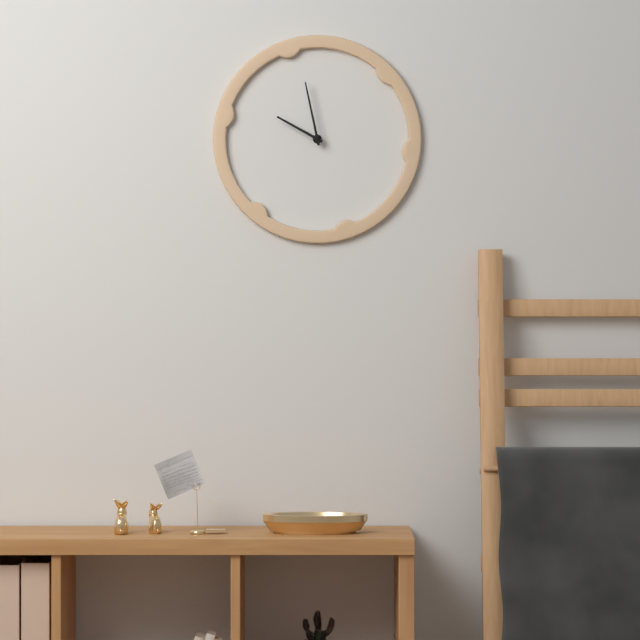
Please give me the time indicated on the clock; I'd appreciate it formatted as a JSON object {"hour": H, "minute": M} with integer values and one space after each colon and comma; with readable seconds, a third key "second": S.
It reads {"hour": 9, "minute": 58}
